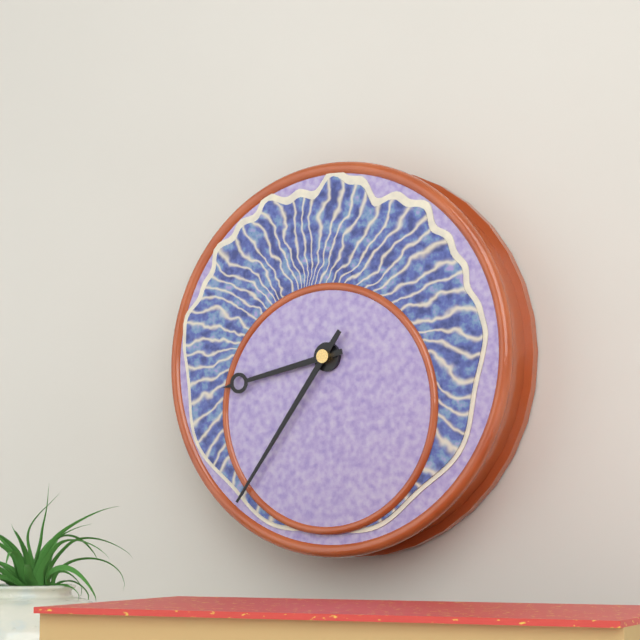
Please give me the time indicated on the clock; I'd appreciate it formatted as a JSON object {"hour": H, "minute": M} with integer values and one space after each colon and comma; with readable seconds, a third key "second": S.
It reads {"hour": 8, "minute": 36}
